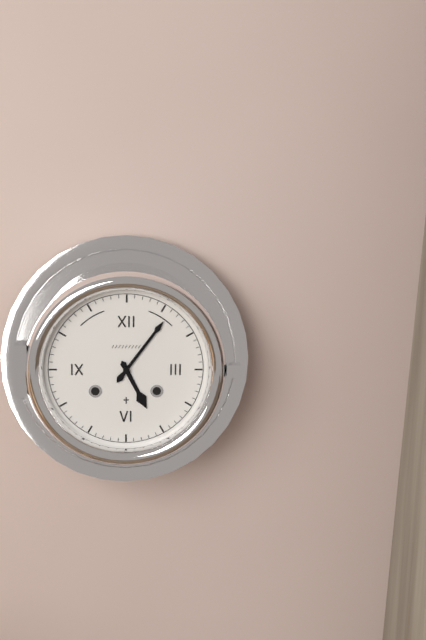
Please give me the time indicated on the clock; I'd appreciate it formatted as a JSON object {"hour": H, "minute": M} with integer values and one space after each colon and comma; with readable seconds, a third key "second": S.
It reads {"hour": 5, "minute": 6}
